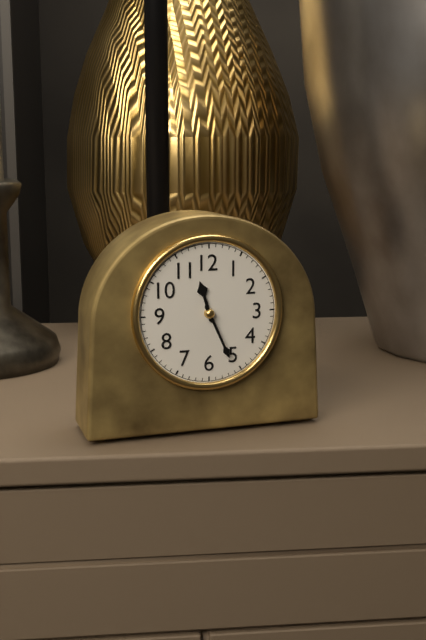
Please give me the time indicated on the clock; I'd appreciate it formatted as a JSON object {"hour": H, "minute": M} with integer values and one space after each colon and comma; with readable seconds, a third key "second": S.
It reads {"hour": 11, "minute": 26}
